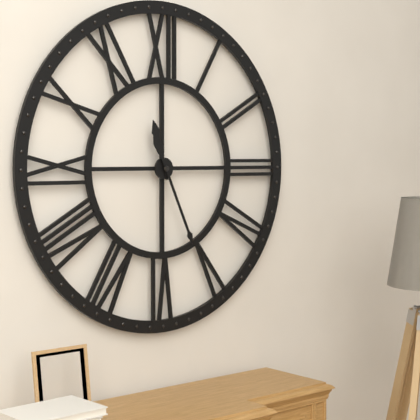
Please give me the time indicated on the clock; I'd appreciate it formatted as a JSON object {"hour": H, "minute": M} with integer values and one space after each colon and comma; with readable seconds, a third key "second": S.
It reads {"hour": 11, "minute": 26}
